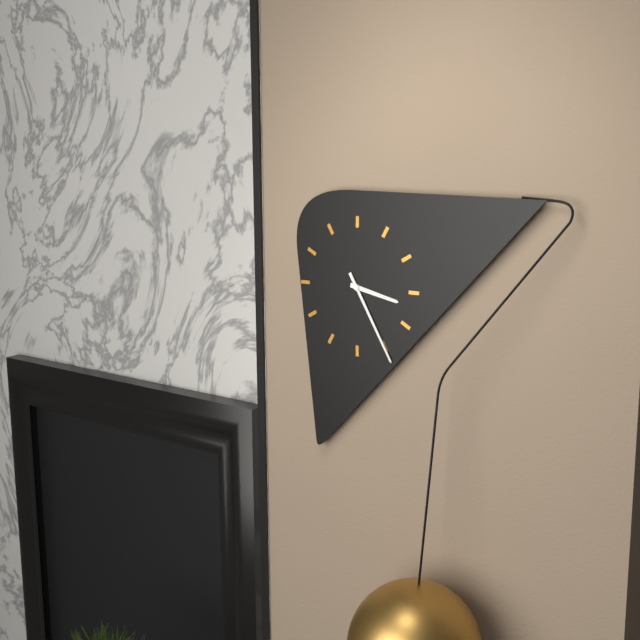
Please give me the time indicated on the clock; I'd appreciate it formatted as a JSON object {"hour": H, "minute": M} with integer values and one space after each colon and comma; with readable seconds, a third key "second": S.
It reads {"hour": 3, "minute": 25}
